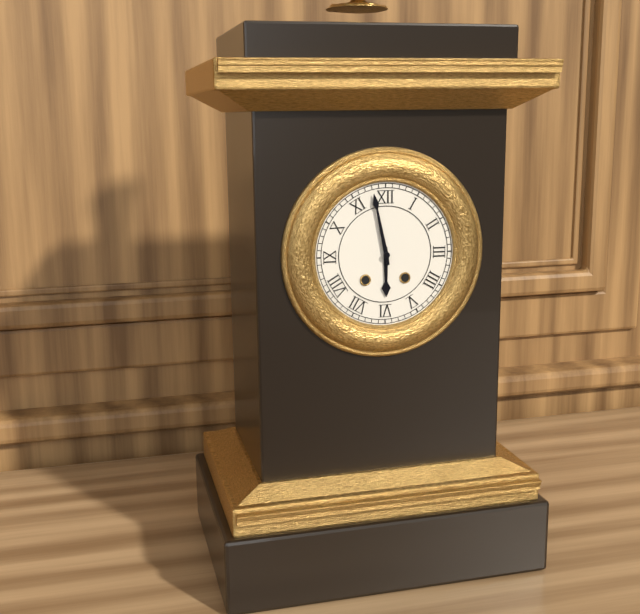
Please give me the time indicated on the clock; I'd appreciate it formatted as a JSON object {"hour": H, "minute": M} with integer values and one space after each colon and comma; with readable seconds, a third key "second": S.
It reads {"hour": 5, "minute": 58}
